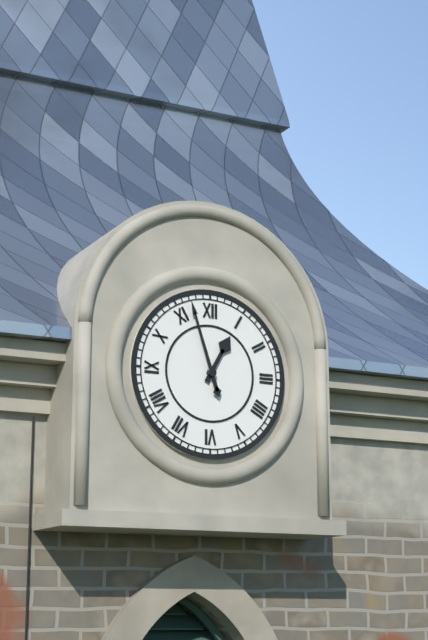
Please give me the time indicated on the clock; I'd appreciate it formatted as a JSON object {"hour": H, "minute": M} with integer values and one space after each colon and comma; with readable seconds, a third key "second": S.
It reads {"hour": 12, "minute": 57}
